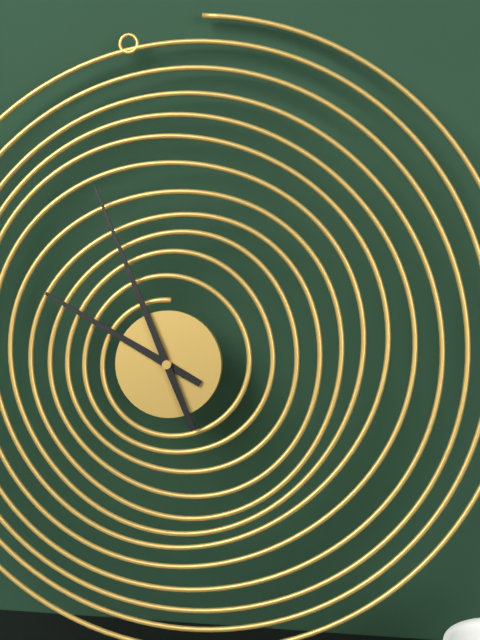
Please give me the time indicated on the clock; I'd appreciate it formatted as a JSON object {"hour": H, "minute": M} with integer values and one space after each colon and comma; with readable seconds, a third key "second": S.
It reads {"hour": 9, "minute": 56}
